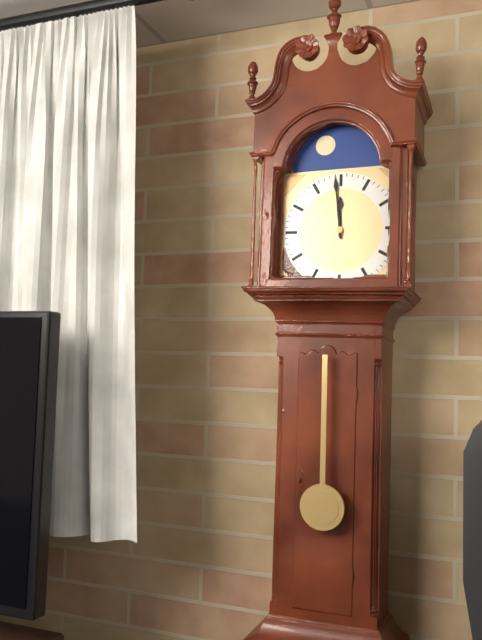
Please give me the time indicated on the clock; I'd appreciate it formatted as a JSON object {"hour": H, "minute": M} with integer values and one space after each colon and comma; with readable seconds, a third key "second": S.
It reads {"hour": 11, "minute": 59}
